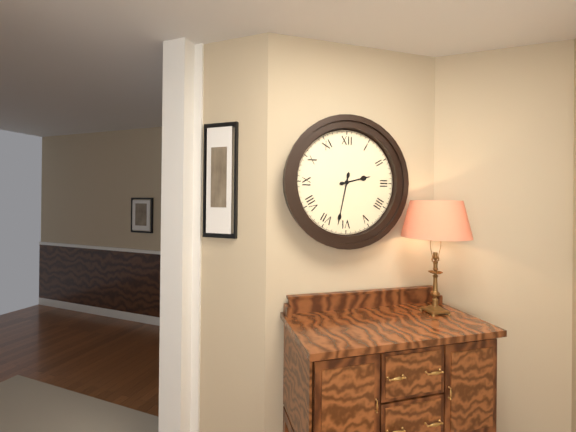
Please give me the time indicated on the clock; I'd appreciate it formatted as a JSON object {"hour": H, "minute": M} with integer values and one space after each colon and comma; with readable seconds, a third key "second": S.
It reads {"hour": 2, "minute": 32}
